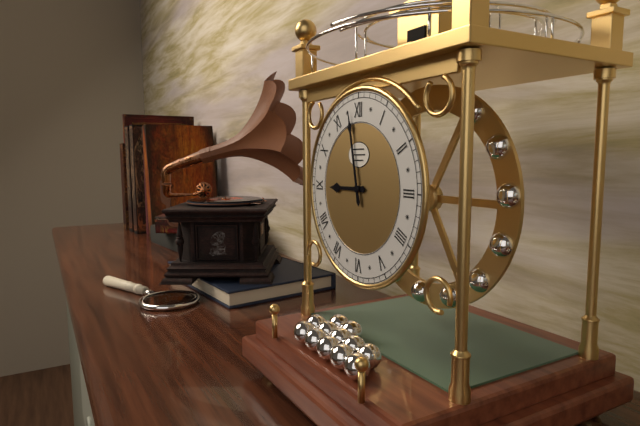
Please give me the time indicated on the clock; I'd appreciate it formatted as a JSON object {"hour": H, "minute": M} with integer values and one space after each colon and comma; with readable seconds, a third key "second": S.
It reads {"hour": 8, "minute": 58}
